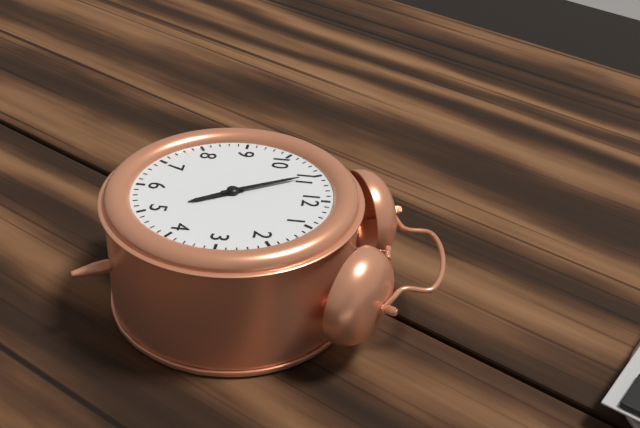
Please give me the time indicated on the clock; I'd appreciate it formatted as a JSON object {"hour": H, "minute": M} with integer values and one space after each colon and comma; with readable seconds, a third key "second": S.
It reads {"hour": 4, "minute": 55}
